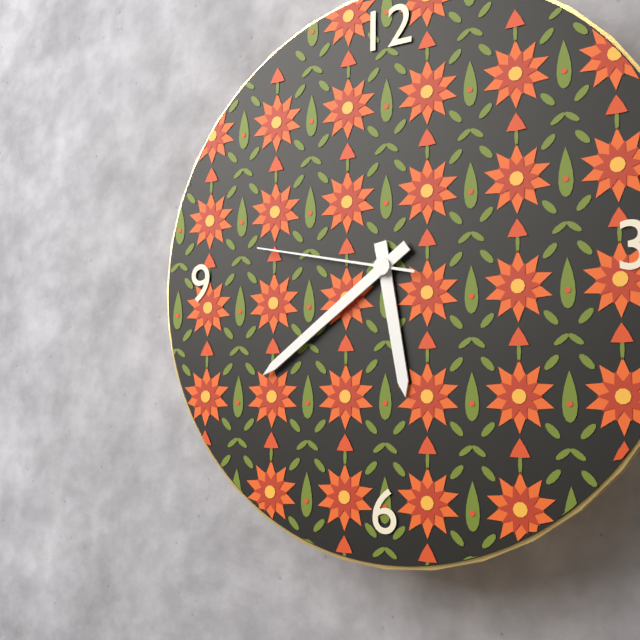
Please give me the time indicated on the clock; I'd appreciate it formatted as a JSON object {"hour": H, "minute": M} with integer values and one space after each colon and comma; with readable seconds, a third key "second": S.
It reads {"hour": 5, "minute": 39, "second": 47}
